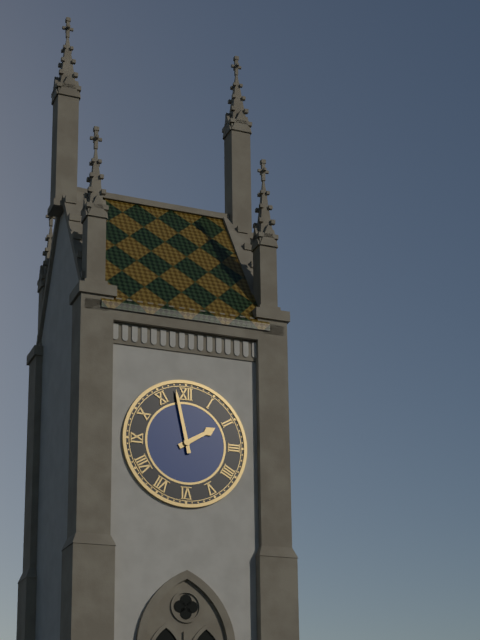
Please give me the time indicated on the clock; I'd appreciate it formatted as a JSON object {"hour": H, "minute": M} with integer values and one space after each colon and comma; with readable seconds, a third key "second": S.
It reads {"hour": 1, "minute": 58}
